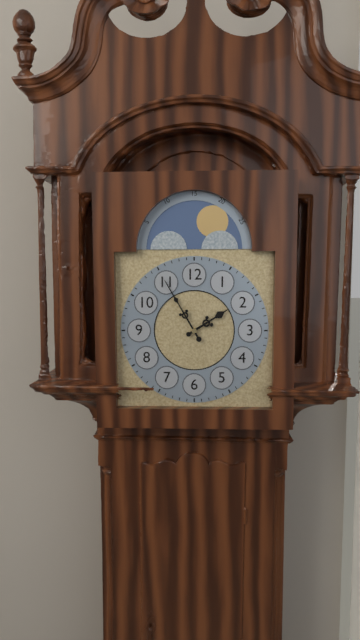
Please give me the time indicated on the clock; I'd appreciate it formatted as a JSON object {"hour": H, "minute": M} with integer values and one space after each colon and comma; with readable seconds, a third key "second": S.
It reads {"hour": 1, "minute": 55}
